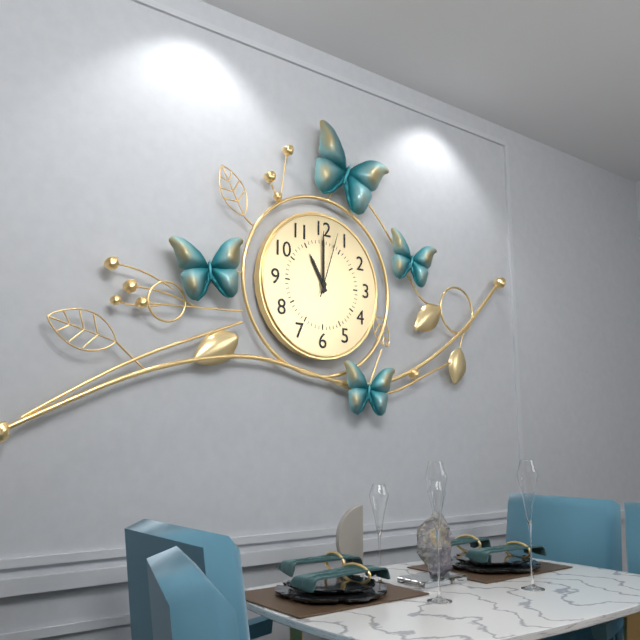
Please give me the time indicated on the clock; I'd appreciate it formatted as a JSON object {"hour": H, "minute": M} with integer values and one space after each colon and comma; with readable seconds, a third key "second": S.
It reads {"hour": 11, "minute": 0, "second": 3}
